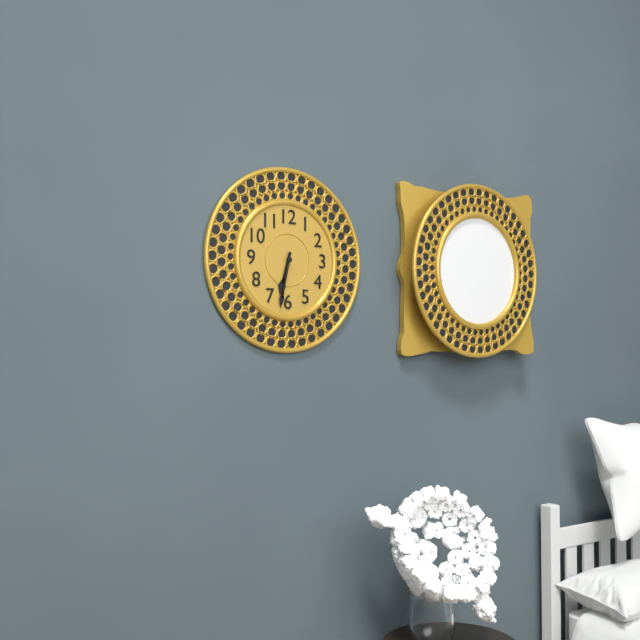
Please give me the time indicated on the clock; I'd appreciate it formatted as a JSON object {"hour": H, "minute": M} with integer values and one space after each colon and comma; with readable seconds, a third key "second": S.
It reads {"hour": 6, "minute": 32}
